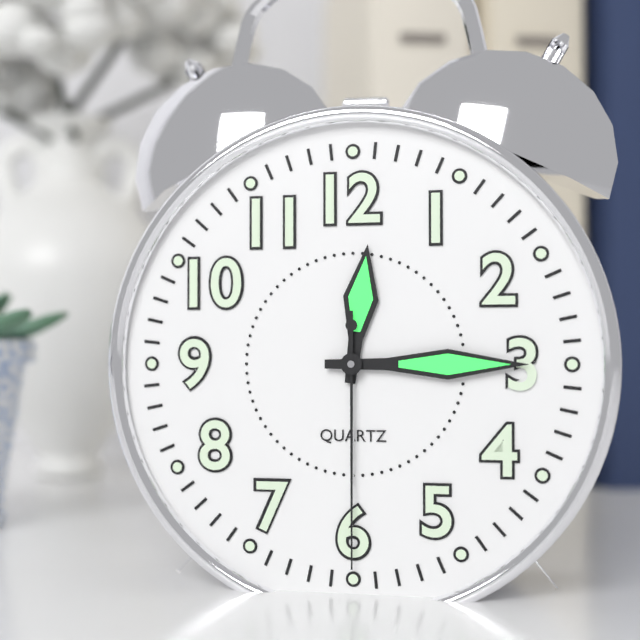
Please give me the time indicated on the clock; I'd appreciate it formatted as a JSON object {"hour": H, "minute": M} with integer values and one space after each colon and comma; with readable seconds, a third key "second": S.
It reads {"hour": 12, "minute": 15, "second": 30}
